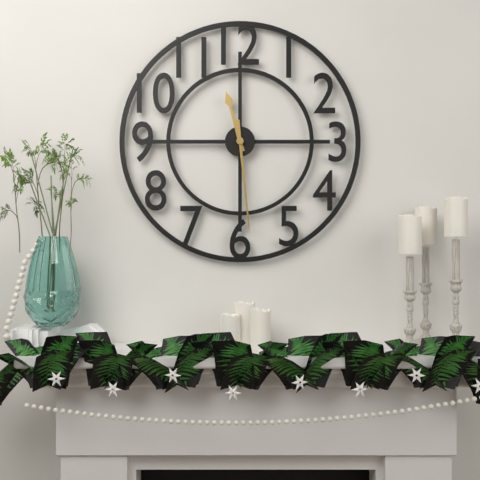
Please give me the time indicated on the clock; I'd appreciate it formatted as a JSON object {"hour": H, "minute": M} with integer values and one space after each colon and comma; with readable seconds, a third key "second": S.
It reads {"hour": 11, "minute": 29}
